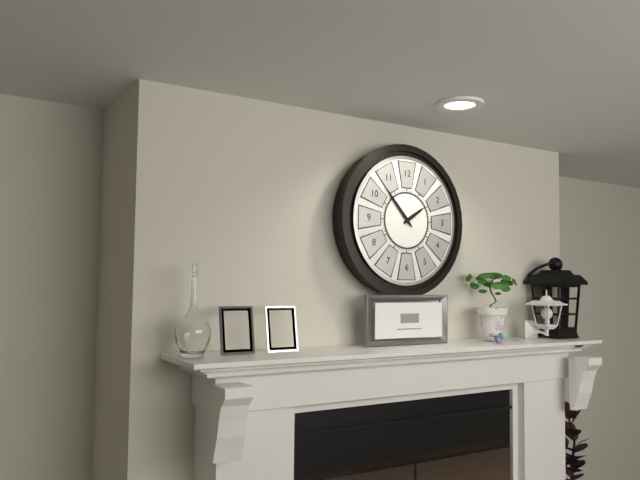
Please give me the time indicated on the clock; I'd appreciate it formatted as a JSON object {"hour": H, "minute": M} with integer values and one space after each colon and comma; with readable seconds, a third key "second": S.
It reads {"hour": 1, "minute": 53}
